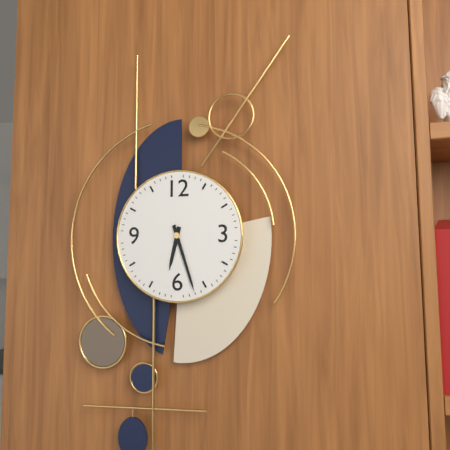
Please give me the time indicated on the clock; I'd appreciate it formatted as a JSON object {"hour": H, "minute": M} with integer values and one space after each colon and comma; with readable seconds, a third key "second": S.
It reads {"hour": 6, "minute": 27}
